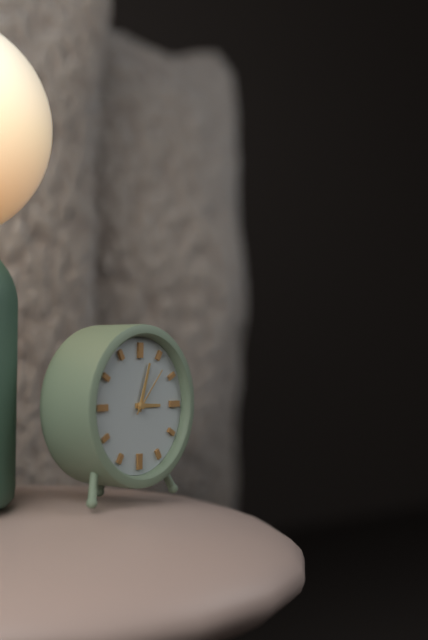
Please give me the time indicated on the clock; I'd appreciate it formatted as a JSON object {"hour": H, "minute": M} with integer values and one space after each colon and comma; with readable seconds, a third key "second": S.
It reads {"hour": 3, "minute": 3, "second": 7}
